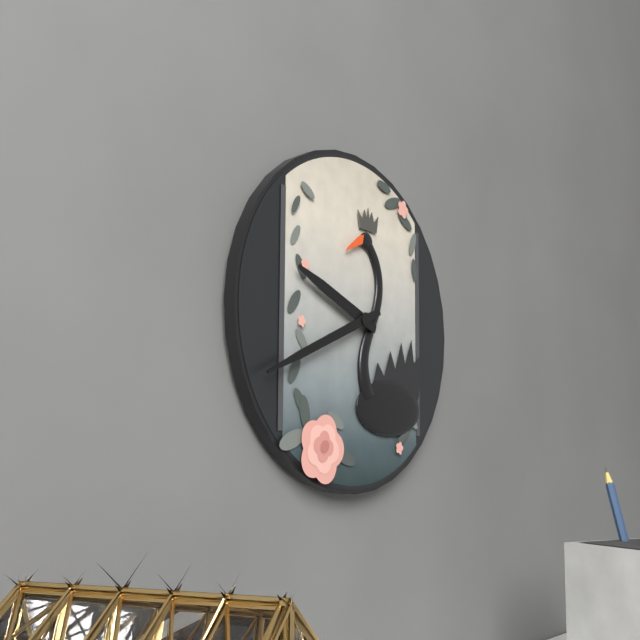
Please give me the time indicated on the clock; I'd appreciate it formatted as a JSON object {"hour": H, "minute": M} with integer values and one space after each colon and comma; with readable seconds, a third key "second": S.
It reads {"hour": 9, "minute": 41}
